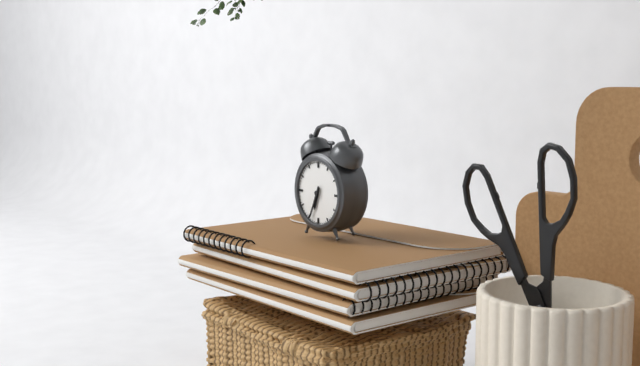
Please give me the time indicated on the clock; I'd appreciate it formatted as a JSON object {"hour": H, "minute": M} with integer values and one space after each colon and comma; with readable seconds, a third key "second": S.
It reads {"hour": 6, "minute": 34}
